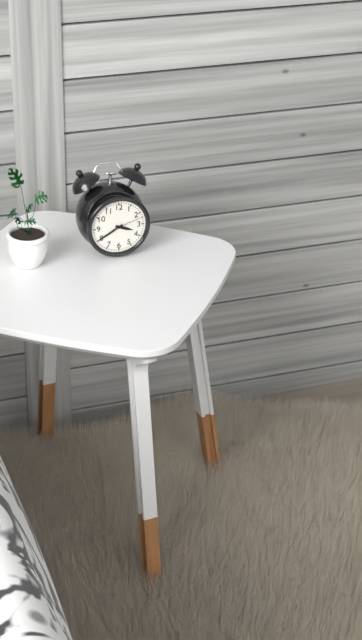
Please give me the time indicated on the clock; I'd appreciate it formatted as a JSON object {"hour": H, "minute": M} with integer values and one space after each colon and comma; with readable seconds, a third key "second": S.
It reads {"hour": 3, "minute": 40}
